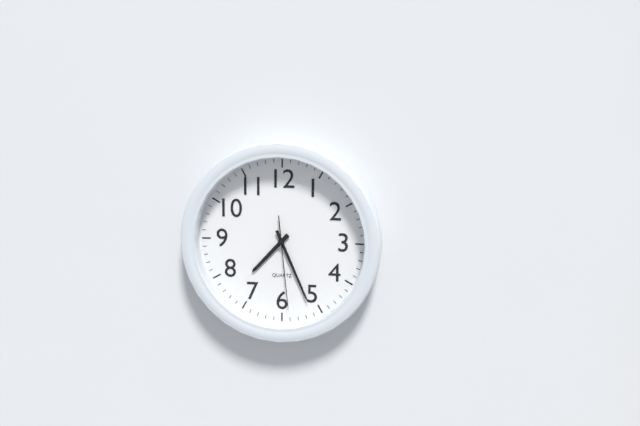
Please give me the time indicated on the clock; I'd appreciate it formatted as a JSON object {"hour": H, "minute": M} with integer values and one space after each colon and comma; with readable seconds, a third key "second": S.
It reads {"hour": 7, "minute": 26, "second": 29}
